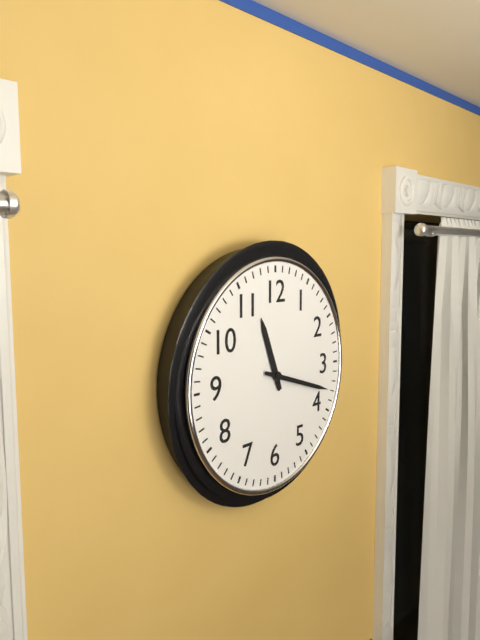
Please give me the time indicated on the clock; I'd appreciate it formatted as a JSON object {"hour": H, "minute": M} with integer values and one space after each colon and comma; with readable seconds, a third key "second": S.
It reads {"hour": 11, "minute": 18}
